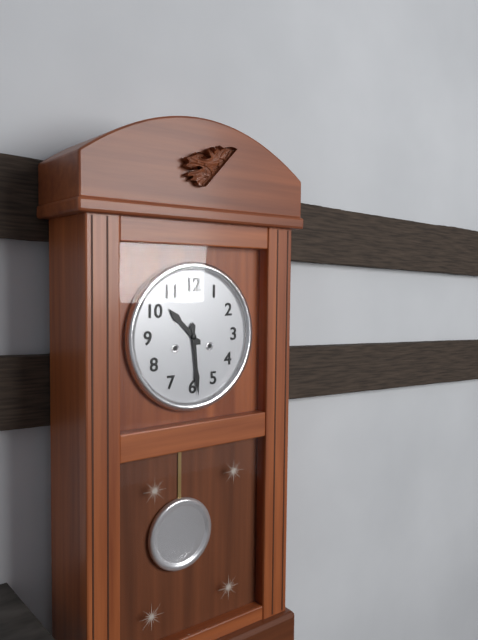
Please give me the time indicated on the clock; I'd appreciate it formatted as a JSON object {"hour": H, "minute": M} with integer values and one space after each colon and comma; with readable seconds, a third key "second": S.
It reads {"hour": 10, "minute": 29}
